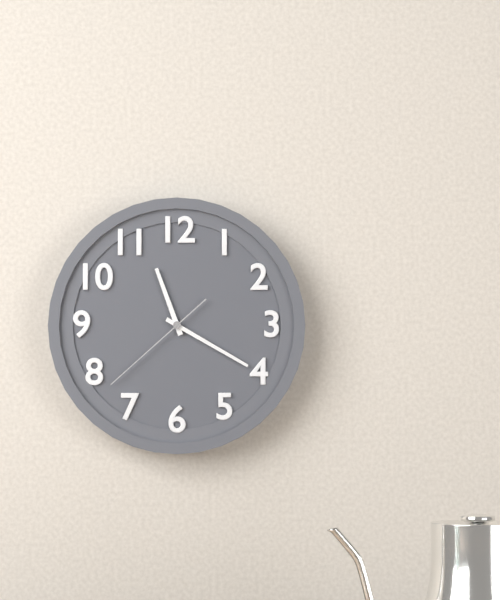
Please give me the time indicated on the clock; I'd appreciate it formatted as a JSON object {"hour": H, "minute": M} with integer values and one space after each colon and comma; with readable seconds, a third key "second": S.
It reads {"hour": 11, "minute": 20, "second": 38}
